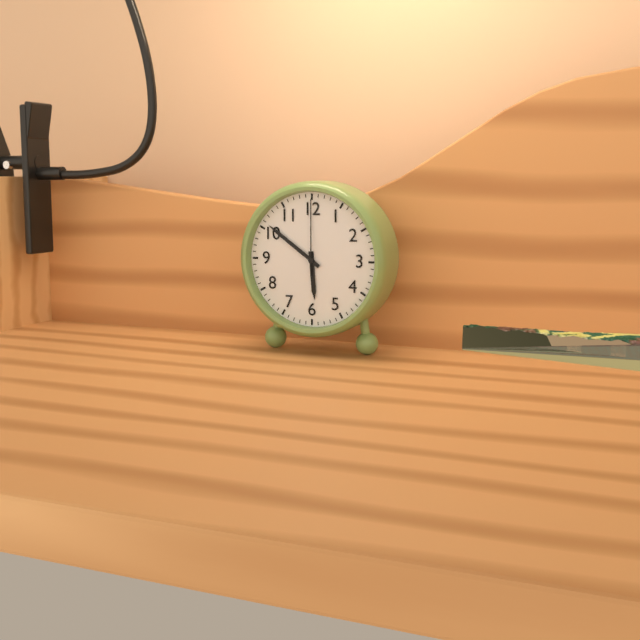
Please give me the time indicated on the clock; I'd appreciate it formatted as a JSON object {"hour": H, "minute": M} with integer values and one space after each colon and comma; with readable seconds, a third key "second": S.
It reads {"hour": 5, "minute": 51, "second": 0}
